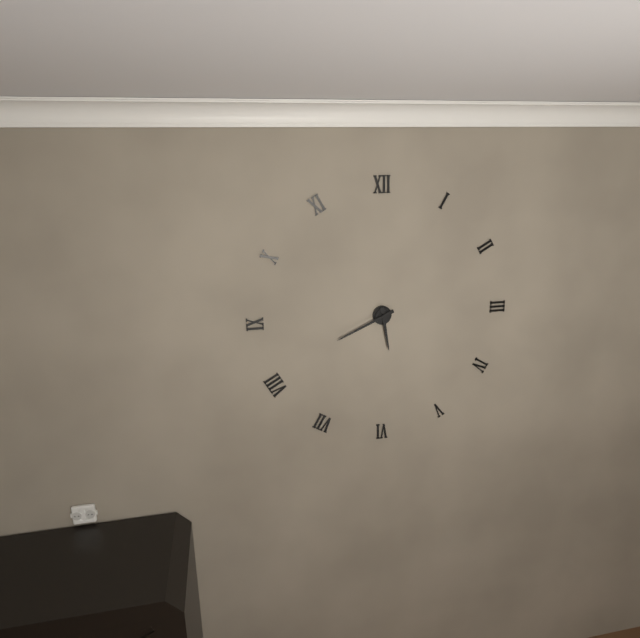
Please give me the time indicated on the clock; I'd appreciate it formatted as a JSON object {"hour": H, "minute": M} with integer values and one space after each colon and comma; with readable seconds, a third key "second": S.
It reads {"hour": 5, "minute": 41}
